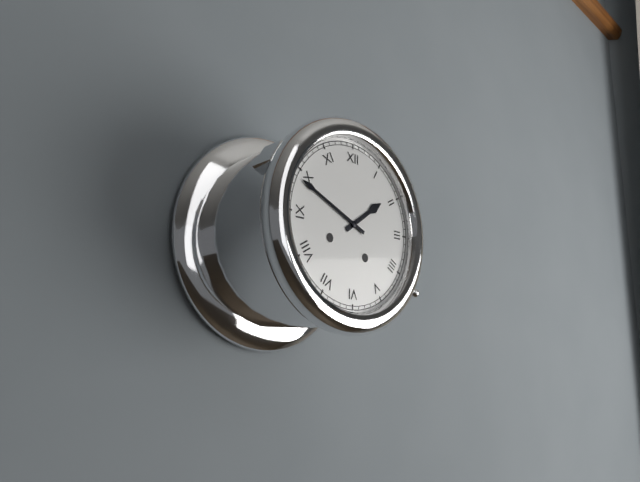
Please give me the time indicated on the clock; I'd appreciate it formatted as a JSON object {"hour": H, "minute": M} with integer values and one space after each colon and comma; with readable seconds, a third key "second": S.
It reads {"hour": 1, "minute": 49}
